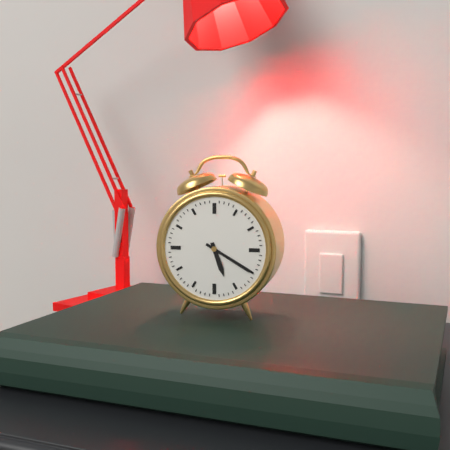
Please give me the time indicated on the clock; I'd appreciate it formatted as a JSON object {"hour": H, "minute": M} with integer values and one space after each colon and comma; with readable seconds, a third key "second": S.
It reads {"hour": 5, "minute": 20}
